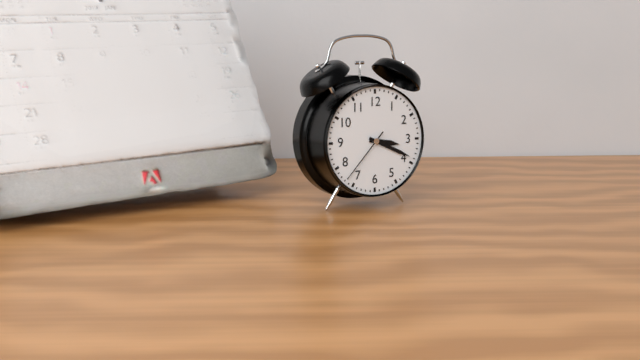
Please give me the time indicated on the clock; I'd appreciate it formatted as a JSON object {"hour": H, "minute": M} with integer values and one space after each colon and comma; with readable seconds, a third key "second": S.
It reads {"hour": 3, "minute": 19, "second": 37}
